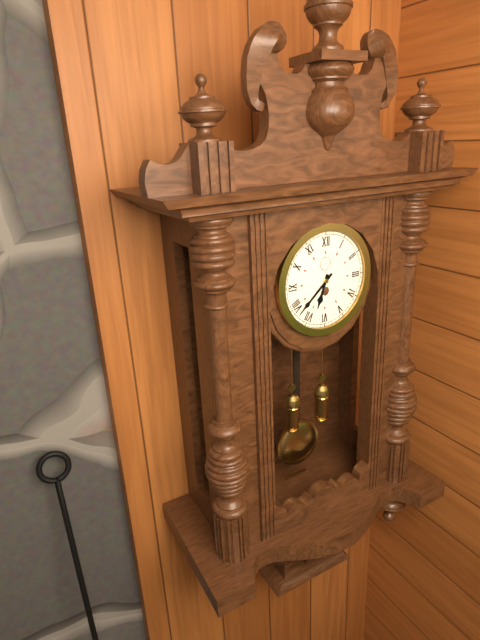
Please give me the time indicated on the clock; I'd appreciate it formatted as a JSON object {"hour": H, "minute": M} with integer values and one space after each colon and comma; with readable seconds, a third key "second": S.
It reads {"hour": 6, "minute": 38}
